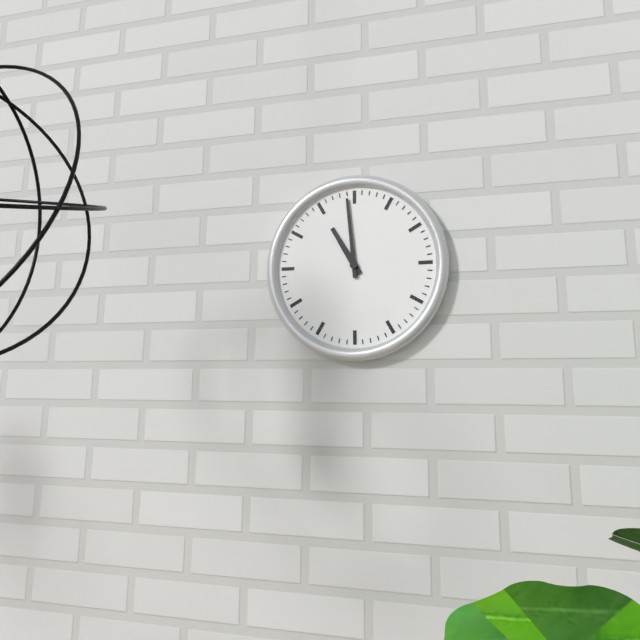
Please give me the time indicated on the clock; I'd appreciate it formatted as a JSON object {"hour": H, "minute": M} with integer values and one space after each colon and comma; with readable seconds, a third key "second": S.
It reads {"hour": 10, "minute": 59}
